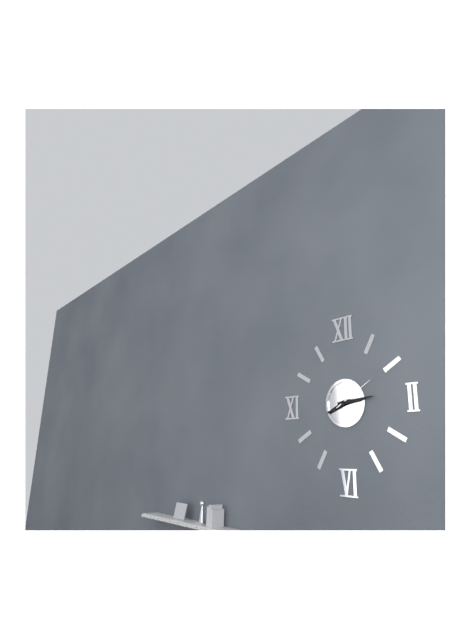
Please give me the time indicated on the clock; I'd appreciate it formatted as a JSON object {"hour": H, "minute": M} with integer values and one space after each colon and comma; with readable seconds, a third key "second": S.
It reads {"hour": 8, "minute": 14}
